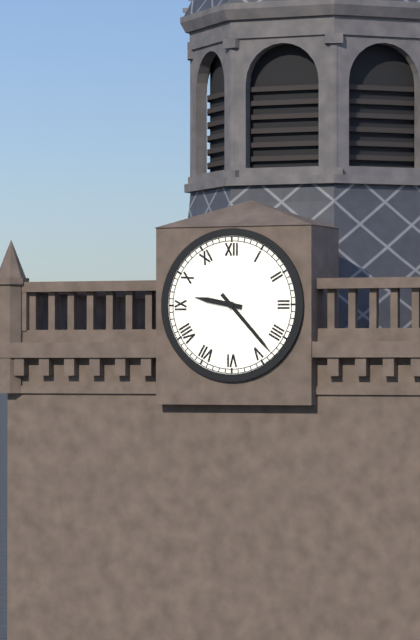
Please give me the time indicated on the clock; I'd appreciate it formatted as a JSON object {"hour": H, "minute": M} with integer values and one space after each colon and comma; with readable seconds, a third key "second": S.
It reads {"hour": 9, "minute": 23}
